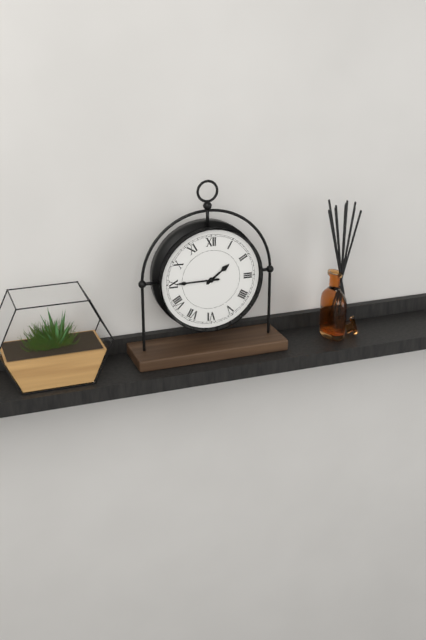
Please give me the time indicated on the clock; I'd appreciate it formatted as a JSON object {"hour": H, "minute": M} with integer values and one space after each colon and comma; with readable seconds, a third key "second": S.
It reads {"hour": 1, "minute": 45}
